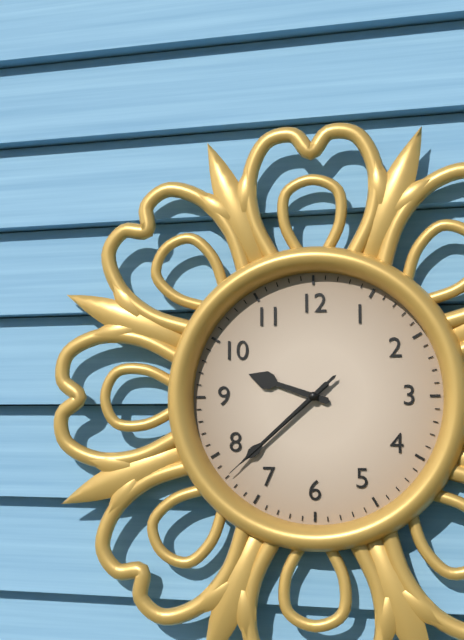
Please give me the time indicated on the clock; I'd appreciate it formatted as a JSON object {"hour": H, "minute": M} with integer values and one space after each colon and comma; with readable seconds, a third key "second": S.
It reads {"hour": 9, "minute": 38, "second": 38}
